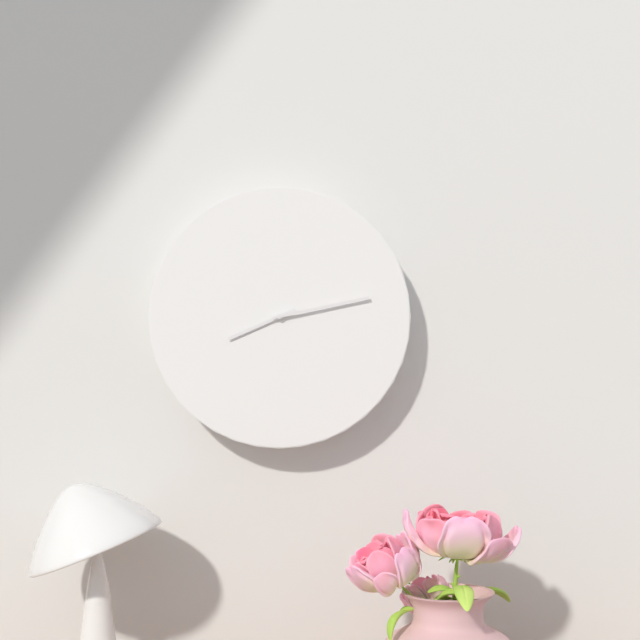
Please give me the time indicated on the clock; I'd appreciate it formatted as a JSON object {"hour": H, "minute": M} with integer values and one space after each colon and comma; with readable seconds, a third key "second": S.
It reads {"hour": 8, "minute": 13}
